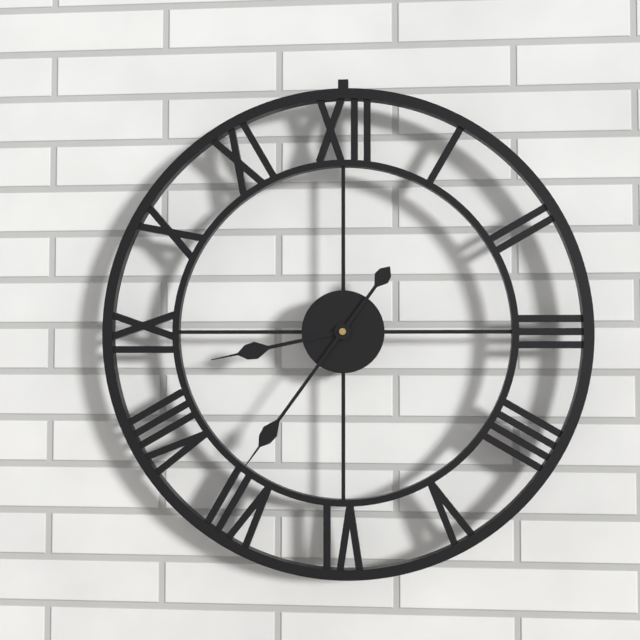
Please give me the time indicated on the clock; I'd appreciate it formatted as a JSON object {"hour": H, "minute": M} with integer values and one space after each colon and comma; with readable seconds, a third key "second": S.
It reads {"hour": 8, "minute": 36}
